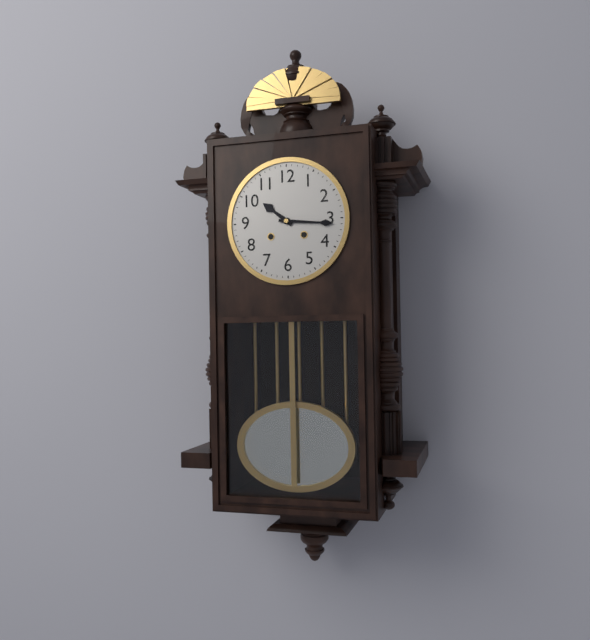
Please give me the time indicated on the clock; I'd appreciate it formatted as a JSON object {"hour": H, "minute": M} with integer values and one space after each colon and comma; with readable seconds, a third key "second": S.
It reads {"hour": 10, "minute": 16}
